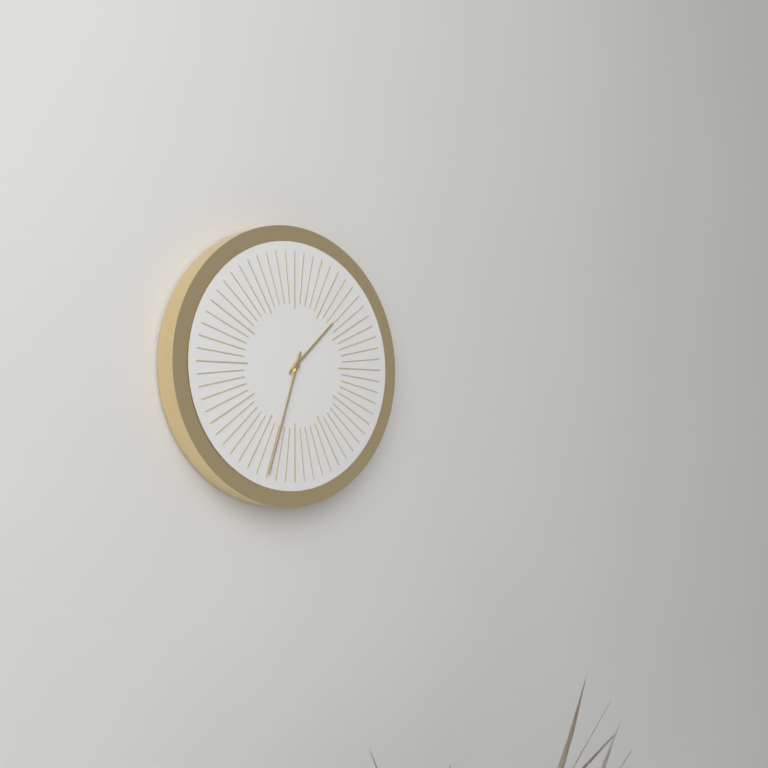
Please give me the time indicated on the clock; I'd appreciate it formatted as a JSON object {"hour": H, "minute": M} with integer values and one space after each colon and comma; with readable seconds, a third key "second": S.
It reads {"hour": 1, "minute": 33}
